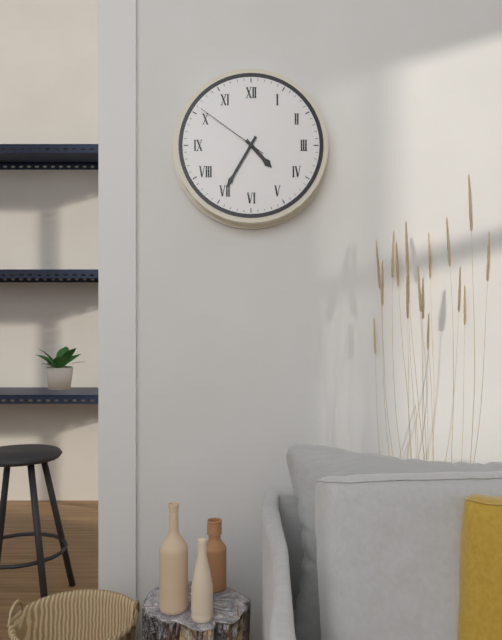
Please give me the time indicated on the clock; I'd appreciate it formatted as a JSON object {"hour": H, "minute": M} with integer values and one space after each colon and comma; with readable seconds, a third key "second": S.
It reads {"hour": 4, "minute": 35, "second": 51}
